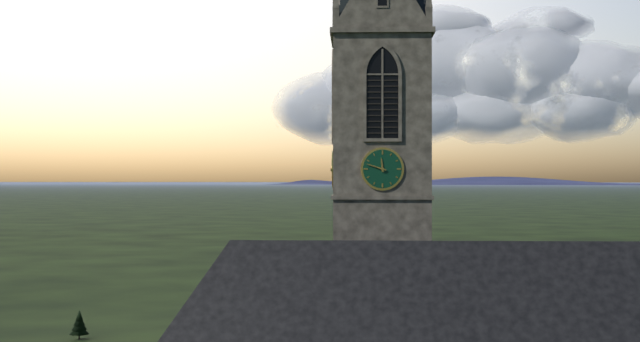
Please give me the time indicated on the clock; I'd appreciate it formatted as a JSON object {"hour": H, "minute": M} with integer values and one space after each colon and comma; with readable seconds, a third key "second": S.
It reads {"hour": 11, "minute": 48}
